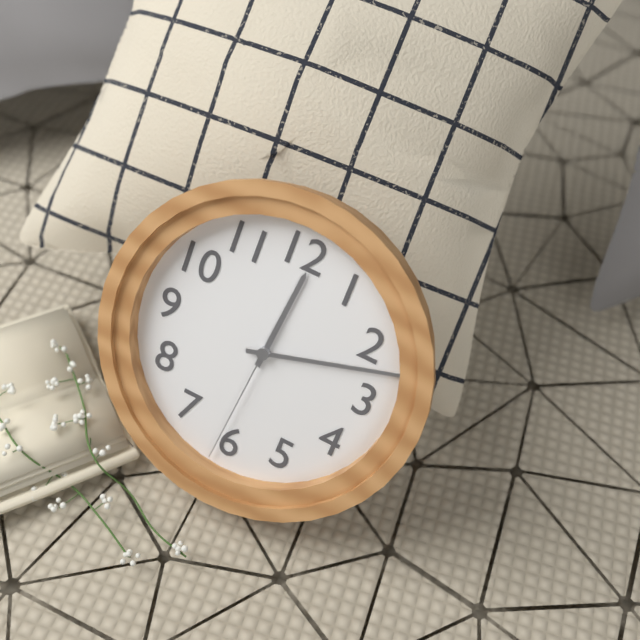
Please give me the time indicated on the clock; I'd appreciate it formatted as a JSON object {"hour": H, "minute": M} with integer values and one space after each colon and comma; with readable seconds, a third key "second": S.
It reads {"hour": 12, "minute": 12, "second": 31}
